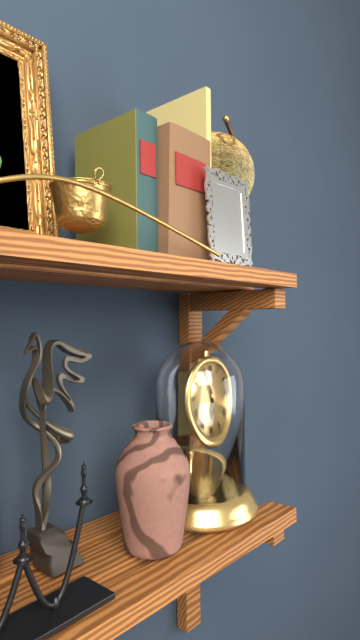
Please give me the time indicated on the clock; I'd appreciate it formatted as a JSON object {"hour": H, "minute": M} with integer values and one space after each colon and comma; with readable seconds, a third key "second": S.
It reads {"hour": 5, "minute": 56}
